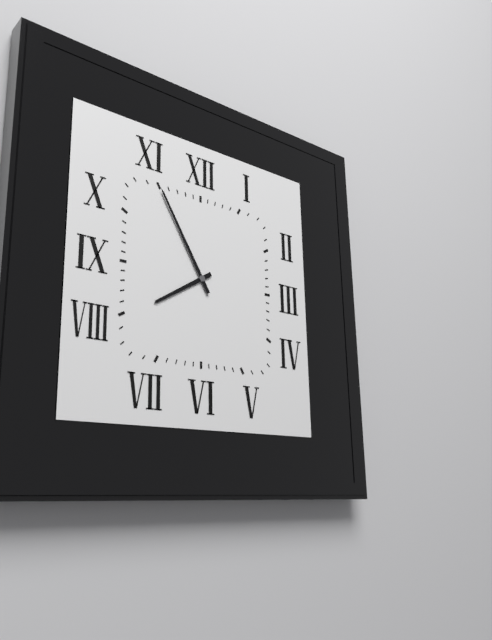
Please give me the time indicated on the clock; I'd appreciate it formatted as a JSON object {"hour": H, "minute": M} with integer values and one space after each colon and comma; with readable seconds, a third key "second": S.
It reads {"hour": 7, "minute": 55}
